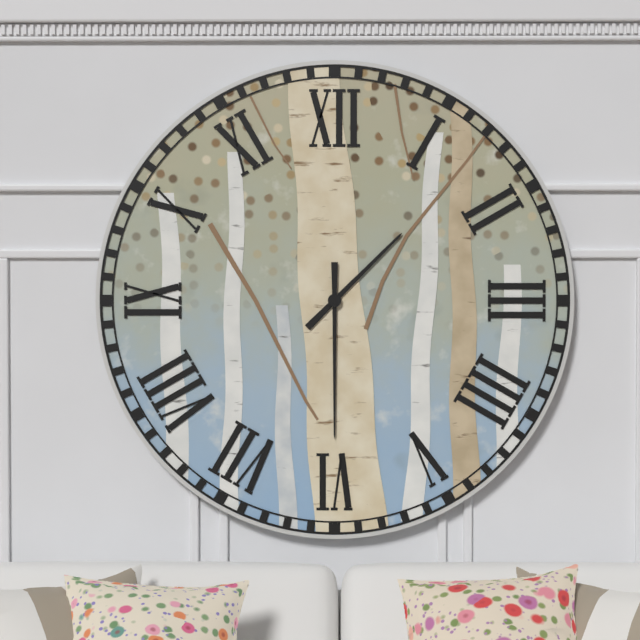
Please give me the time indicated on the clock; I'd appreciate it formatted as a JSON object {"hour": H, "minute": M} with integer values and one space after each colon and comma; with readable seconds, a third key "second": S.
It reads {"hour": 1, "minute": 30}
